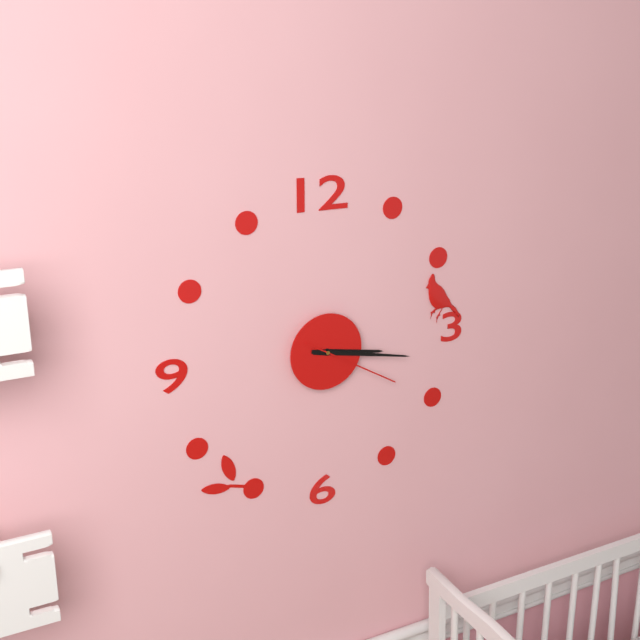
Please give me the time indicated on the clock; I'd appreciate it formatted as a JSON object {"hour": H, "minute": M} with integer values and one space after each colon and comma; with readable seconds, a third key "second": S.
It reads {"hour": 3, "minute": 17, "second": 20}
